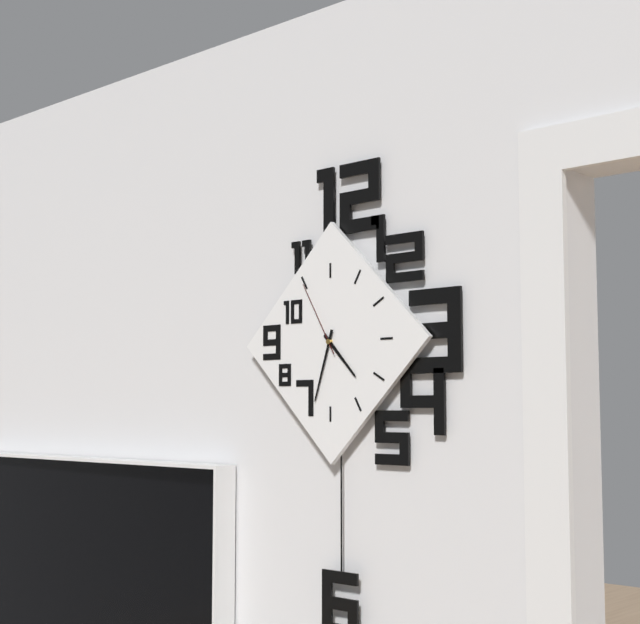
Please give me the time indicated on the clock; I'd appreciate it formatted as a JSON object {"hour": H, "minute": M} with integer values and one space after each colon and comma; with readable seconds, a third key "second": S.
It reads {"hour": 4, "minute": 33, "second": 55}
